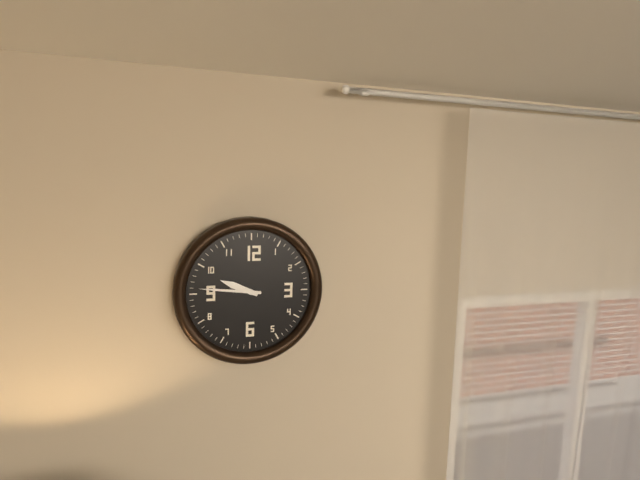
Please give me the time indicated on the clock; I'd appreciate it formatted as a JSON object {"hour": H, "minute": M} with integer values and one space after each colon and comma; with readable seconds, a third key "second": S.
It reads {"hour": 9, "minute": 46}
